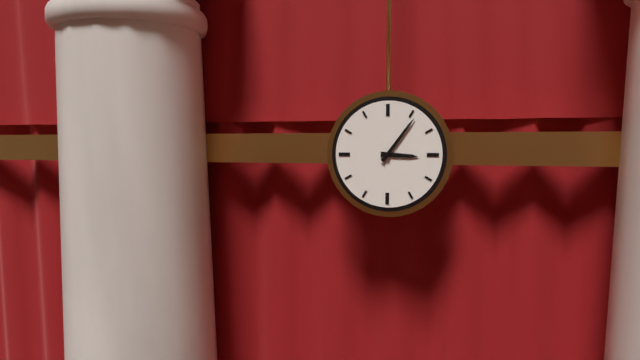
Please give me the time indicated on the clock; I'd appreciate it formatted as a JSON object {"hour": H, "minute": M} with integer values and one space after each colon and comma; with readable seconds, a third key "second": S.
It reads {"hour": 3, "minute": 6}
